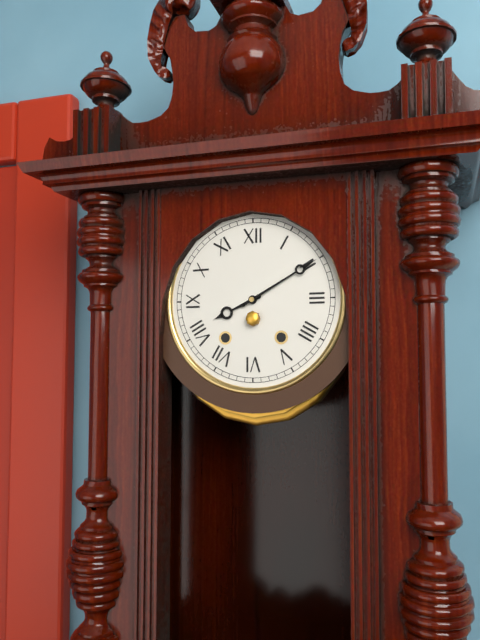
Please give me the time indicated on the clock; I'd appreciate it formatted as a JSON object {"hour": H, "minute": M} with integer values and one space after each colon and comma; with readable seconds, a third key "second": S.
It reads {"hour": 8, "minute": 10}
